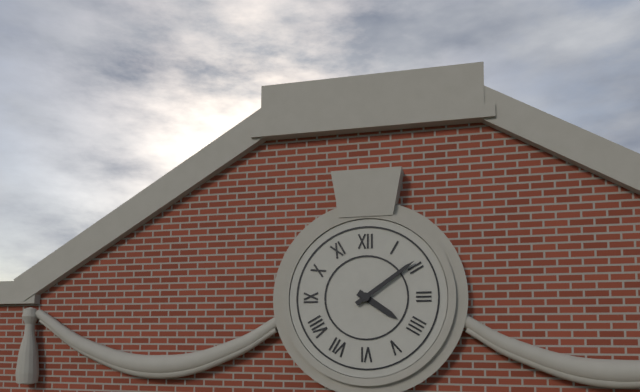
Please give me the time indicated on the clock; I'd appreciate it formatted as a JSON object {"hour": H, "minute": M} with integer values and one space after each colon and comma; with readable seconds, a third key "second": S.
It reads {"hour": 4, "minute": 9}
